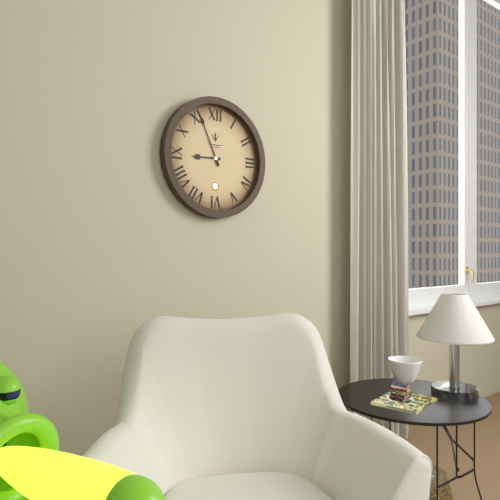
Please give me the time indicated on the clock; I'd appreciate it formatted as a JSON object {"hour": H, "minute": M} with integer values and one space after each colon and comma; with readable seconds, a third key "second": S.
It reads {"hour": 8, "minute": 56}
